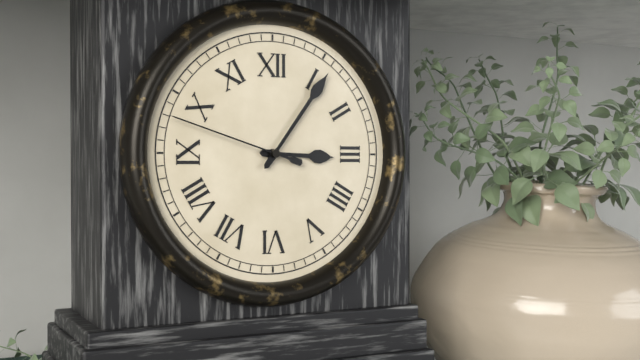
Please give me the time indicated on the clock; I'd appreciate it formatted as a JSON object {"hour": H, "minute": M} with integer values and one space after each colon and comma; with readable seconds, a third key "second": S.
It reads {"hour": 3, "minute": 6, "second": 48}
